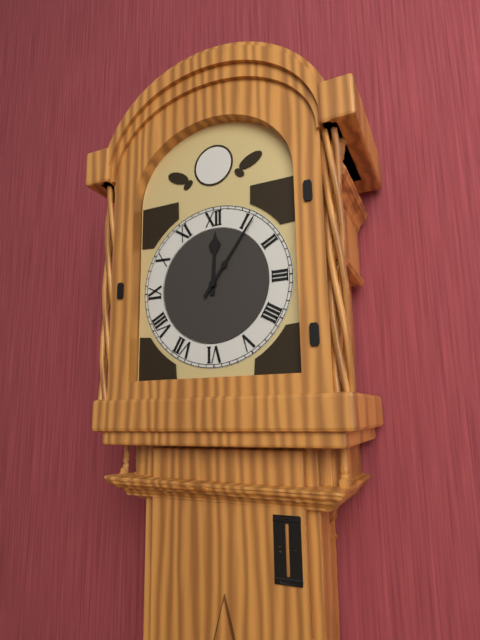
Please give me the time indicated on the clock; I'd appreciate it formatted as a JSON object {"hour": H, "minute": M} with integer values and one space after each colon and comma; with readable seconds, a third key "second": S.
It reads {"hour": 12, "minute": 6}
